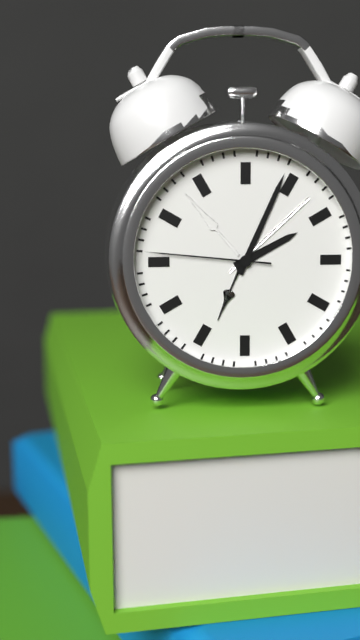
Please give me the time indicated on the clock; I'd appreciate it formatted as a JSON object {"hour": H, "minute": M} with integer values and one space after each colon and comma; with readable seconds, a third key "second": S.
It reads {"hour": 2, "minute": 4, "second": 46}
